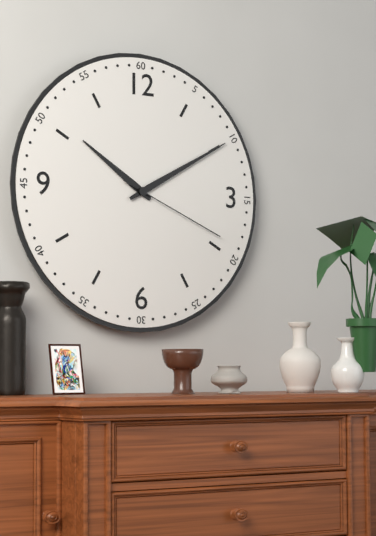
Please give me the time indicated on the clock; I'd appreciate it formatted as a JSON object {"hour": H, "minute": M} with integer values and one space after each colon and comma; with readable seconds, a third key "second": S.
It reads {"hour": 10, "minute": 10, "second": 19}
